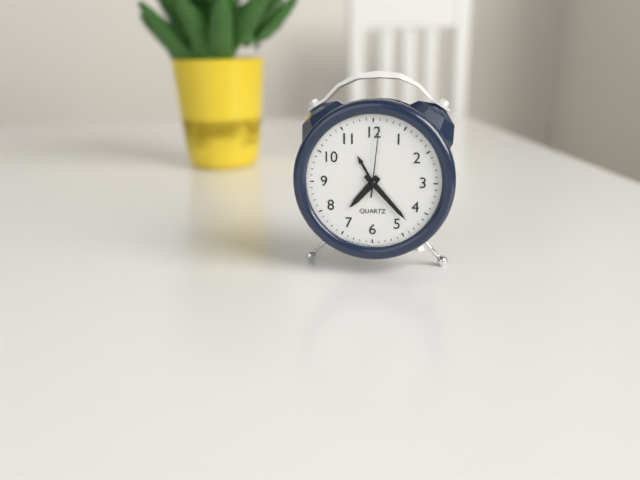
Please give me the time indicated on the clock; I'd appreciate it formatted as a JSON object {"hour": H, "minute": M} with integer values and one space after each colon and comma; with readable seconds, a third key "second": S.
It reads {"hour": 7, "minute": 23, "second": 1}
